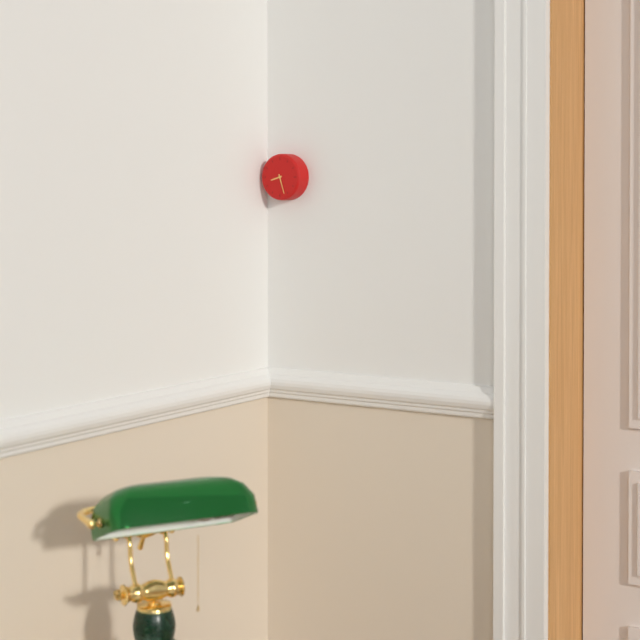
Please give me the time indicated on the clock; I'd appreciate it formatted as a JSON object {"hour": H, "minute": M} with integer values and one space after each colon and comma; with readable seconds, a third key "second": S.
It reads {"hour": 8, "minute": 27}
